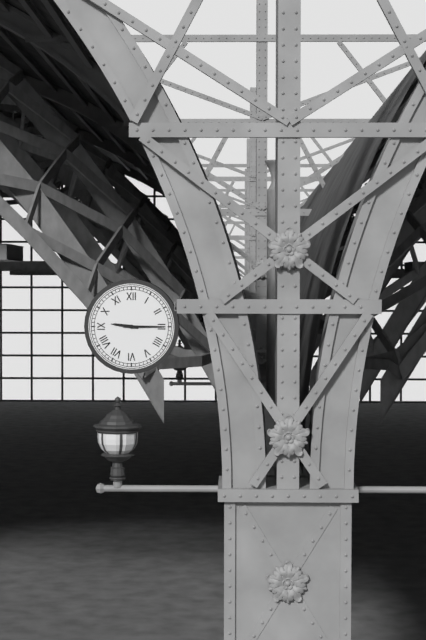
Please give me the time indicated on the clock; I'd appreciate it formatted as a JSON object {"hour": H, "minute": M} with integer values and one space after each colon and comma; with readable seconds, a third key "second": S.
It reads {"hour": 9, "minute": 15}
